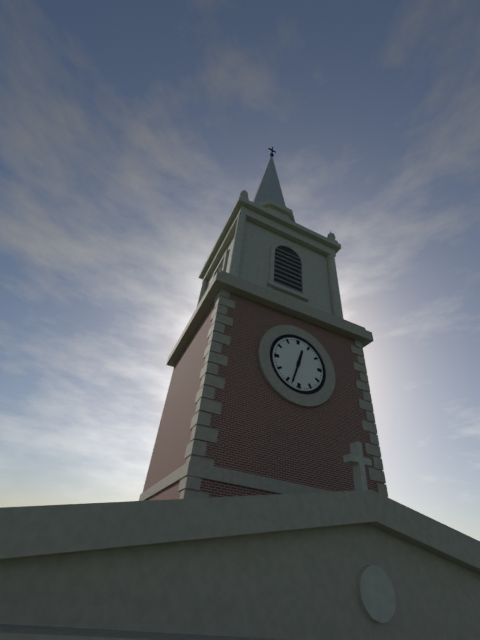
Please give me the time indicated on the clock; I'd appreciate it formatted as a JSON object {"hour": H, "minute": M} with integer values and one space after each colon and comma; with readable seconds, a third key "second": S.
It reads {"hour": 12, "minute": 33}
